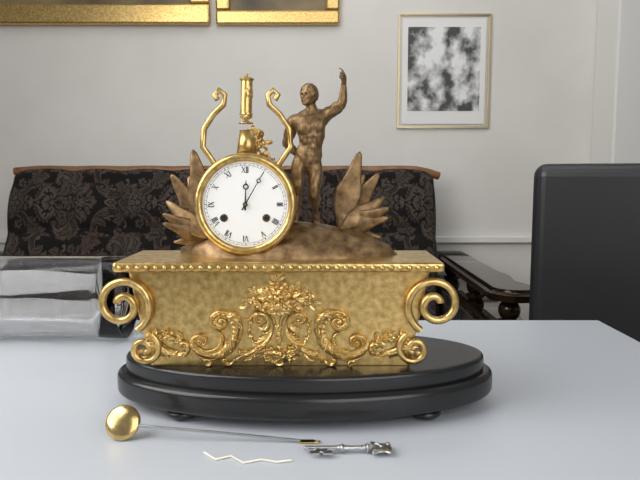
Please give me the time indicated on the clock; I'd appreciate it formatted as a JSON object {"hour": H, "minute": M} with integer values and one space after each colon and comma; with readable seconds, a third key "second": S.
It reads {"hour": 12, "minute": 5}
